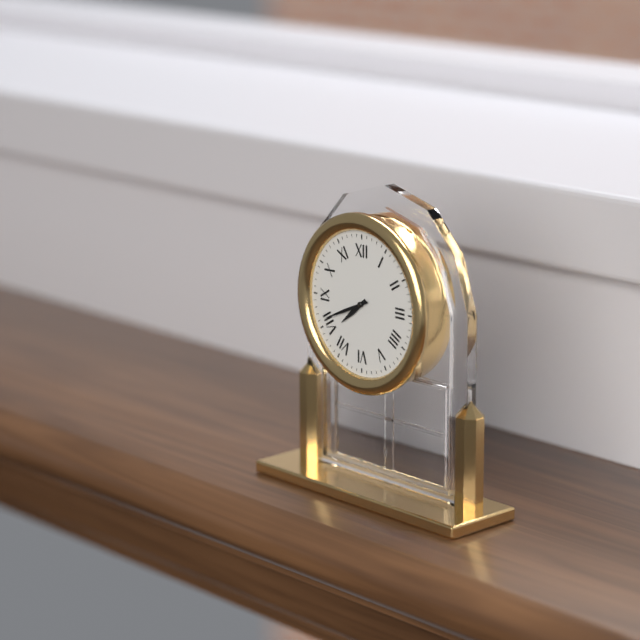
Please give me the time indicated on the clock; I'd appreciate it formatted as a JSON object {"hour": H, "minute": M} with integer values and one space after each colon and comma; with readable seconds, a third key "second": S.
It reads {"hour": 7, "minute": 41}
